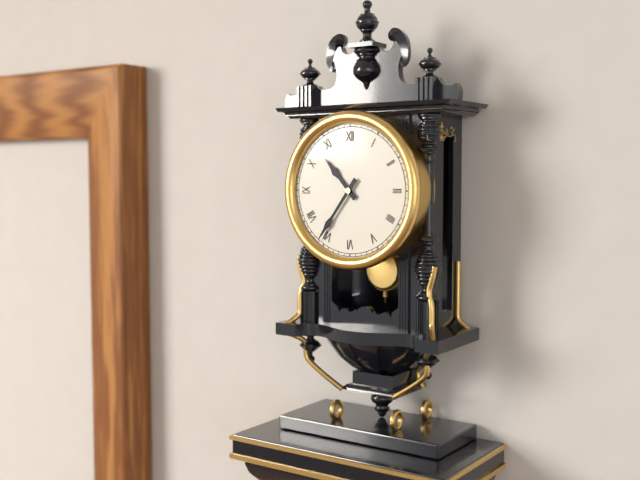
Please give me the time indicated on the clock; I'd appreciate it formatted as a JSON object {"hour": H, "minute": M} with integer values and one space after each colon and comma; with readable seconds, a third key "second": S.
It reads {"hour": 10, "minute": 36}
